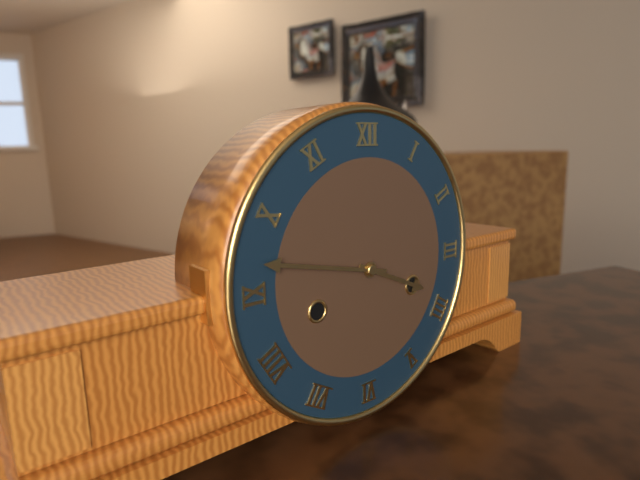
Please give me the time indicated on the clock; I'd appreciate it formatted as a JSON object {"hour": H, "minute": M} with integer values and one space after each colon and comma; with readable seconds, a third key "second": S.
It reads {"hour": 3, "minute": 47}
